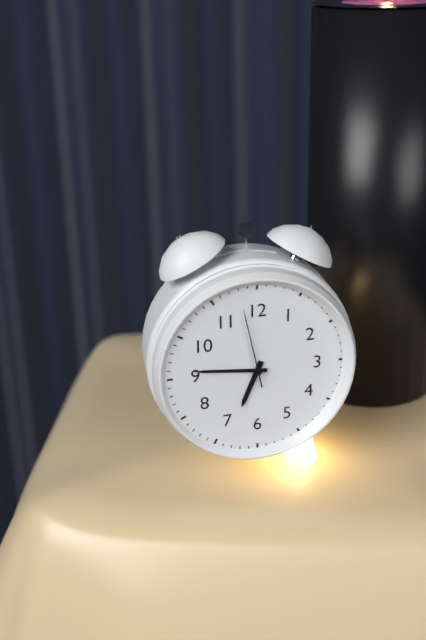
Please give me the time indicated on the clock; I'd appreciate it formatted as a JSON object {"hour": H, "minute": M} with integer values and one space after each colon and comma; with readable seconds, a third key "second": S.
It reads {"hour": 6, "minute": 46, "second": 58}
